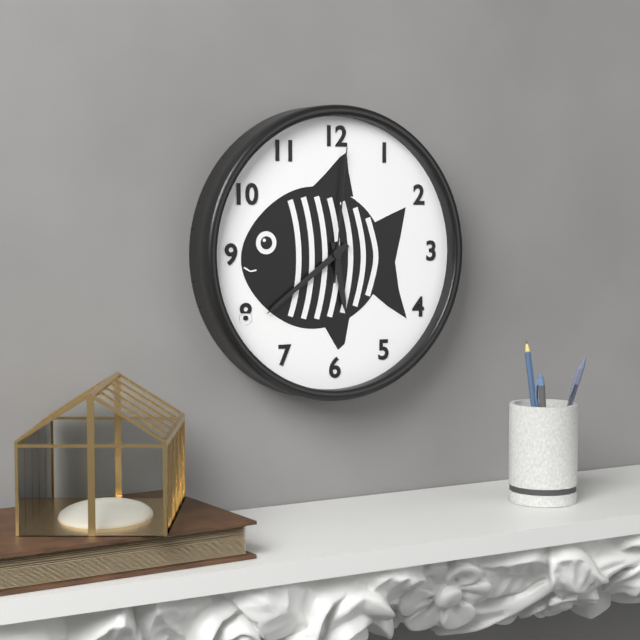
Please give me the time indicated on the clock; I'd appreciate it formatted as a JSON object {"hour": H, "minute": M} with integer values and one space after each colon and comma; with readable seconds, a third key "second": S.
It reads {"hour": 5, "minute": 39, "second": 1}
